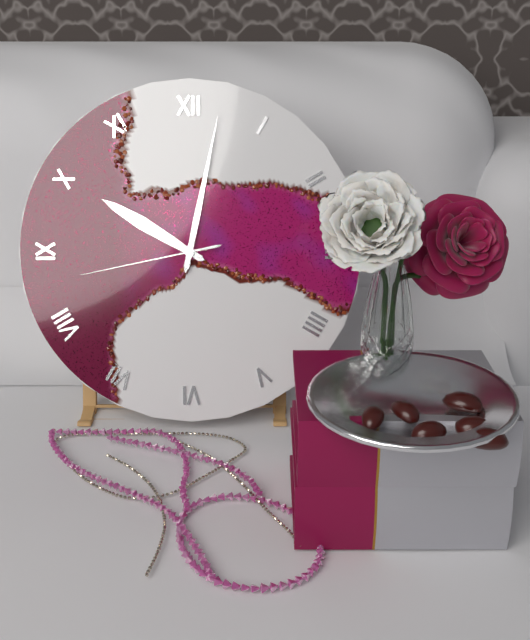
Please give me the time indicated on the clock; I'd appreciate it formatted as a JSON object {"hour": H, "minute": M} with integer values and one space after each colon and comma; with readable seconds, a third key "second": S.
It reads {"hour": 10, "minute": 2, "second": 43}
